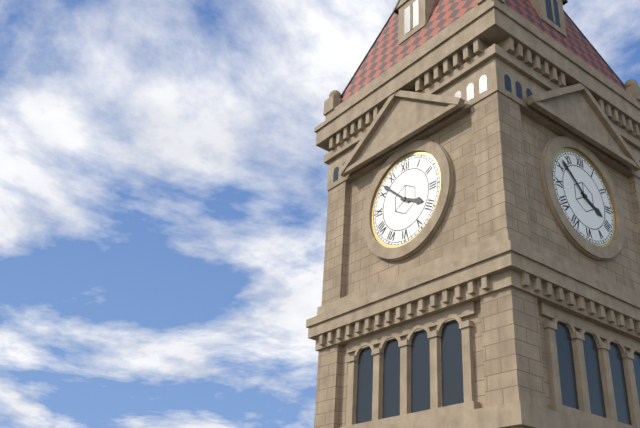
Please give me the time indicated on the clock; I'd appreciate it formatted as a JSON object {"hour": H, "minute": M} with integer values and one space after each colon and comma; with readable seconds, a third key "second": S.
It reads {"hour": 3, "minute": 52}
